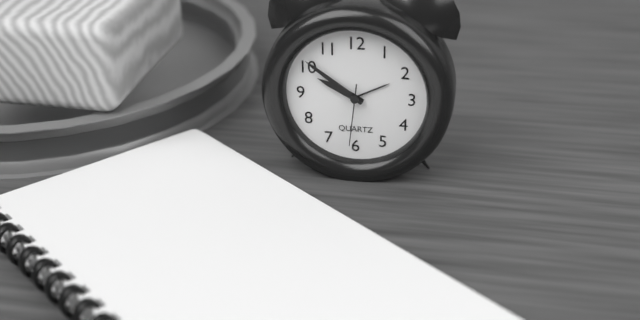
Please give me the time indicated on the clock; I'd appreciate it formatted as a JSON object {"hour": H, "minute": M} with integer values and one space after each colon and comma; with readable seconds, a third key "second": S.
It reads {"hour": 9, "minute": 51, "second": 31}
